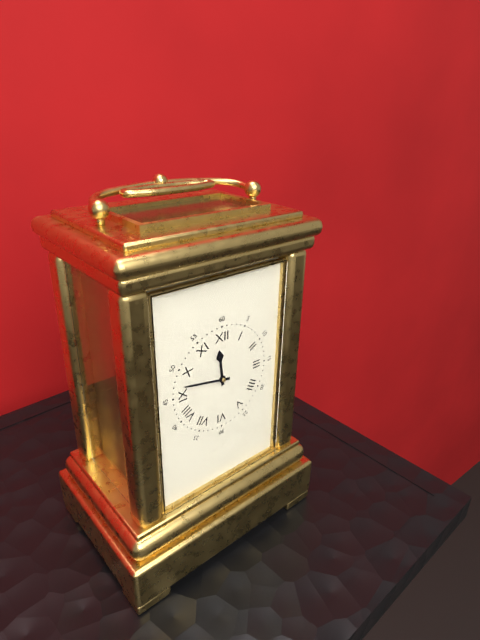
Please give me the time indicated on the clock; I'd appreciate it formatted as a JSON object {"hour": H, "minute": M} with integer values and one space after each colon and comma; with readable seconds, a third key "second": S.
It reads {"hour": 11, "minute": 47}
